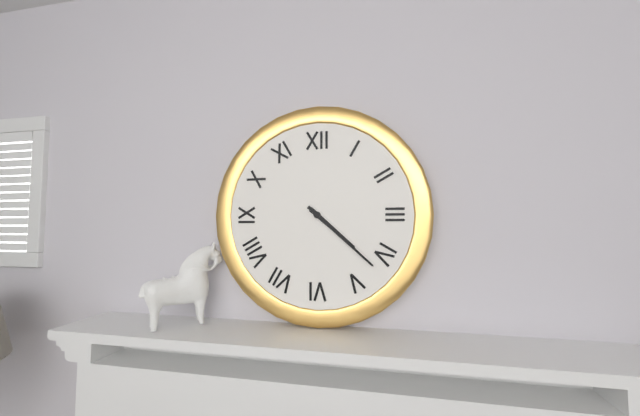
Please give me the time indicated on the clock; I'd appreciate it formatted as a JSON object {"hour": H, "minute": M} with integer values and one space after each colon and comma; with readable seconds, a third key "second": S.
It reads {"hour": 4, "minute": 22}
